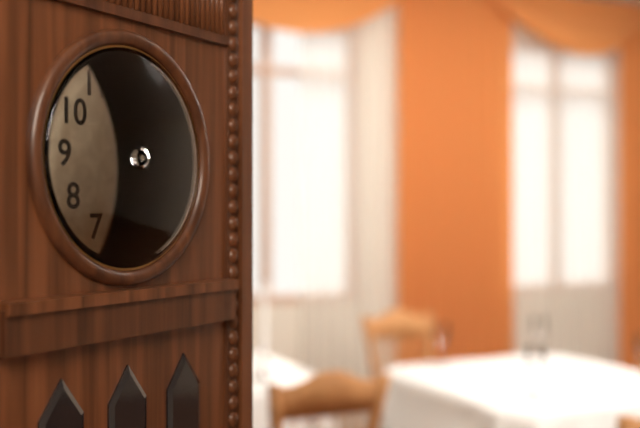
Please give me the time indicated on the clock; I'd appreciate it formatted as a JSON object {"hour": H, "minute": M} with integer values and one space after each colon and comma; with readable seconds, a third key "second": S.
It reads {"hour": 4, "minute": 0}
